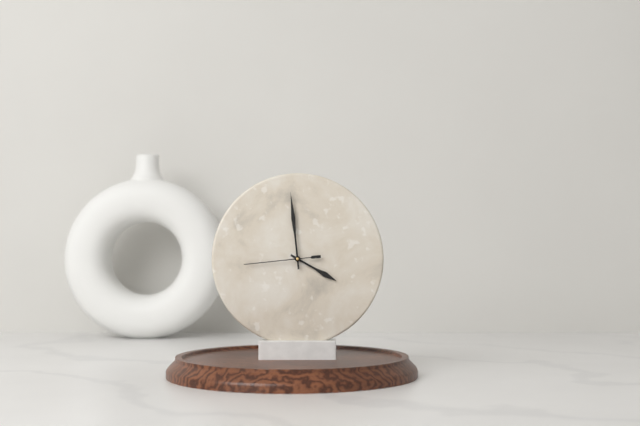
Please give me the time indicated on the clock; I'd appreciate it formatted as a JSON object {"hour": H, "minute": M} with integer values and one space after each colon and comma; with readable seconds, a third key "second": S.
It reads {"hour": 3, "minute": 59, "second": 44}
